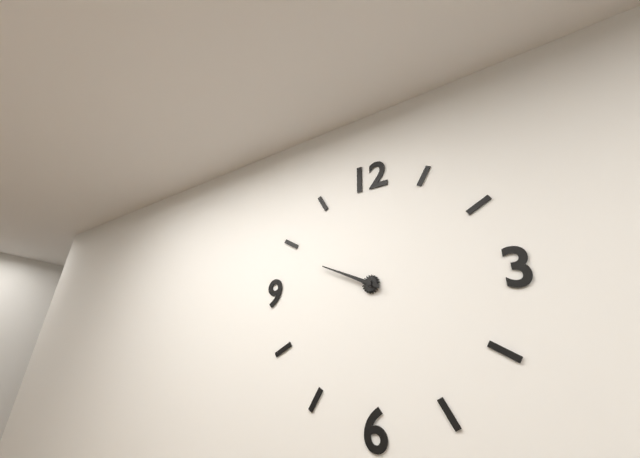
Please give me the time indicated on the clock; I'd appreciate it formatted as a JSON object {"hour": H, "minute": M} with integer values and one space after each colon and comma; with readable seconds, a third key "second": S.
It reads {"hour": 9, "minute": 49}
